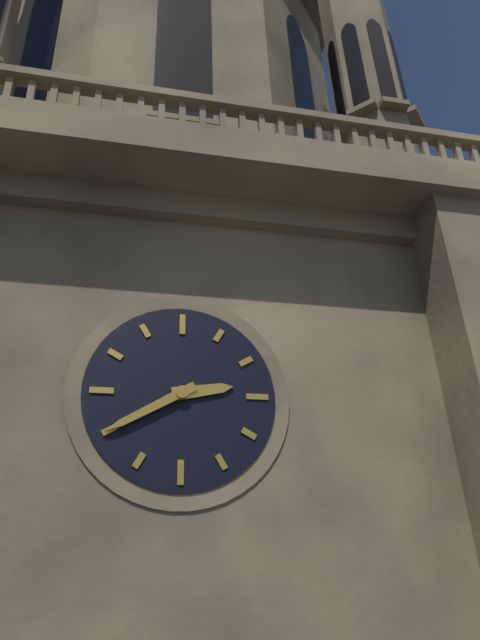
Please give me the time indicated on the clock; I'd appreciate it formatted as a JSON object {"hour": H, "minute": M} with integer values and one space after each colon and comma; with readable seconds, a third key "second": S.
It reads {"hour": 2, "minute": 40}
